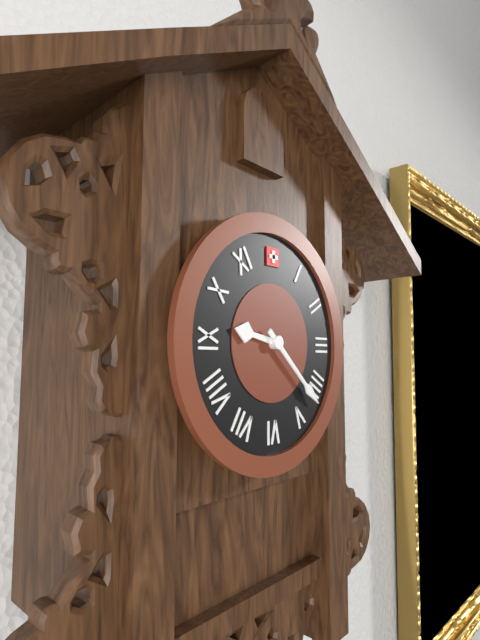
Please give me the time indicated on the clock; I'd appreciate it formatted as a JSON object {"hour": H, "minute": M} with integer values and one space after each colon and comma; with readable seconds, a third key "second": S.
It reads {"hour": 9, "minute": 22}
